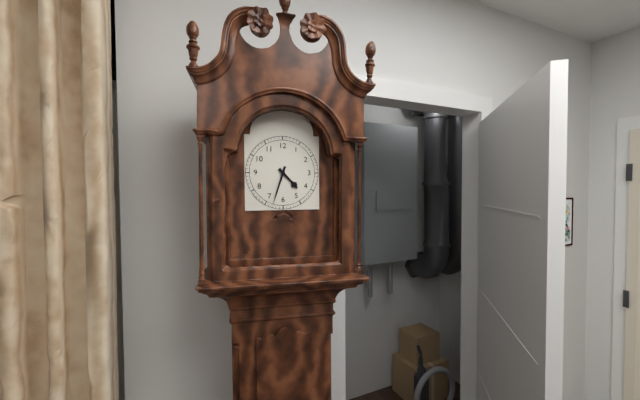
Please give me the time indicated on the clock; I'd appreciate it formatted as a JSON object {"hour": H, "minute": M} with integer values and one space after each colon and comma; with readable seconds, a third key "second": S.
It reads {"hour": 4, "minute": 33}
